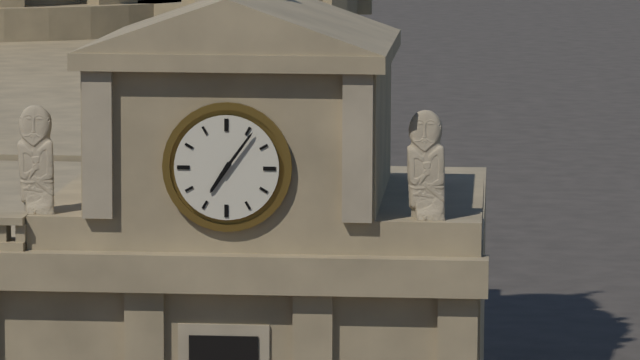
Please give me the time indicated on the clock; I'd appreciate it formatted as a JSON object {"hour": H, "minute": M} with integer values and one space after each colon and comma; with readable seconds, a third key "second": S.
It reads {"hour": 7, "minute": 6}
